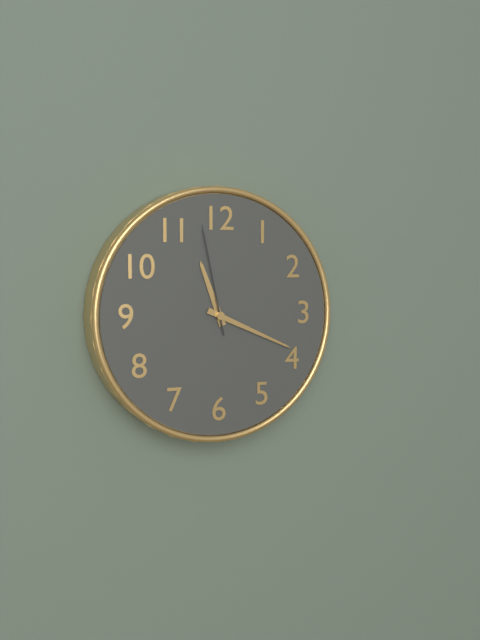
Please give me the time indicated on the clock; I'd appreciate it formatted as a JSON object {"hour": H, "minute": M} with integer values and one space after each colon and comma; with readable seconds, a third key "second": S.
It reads {"hour": 11, "minute": 19, "second": 58}
